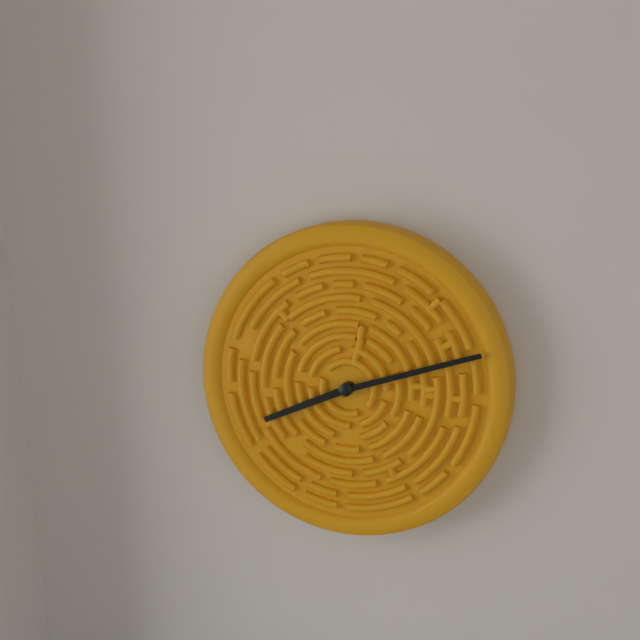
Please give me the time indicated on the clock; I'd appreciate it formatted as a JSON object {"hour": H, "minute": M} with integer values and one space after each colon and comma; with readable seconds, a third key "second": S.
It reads {"hour": 8, "minute": 12}
